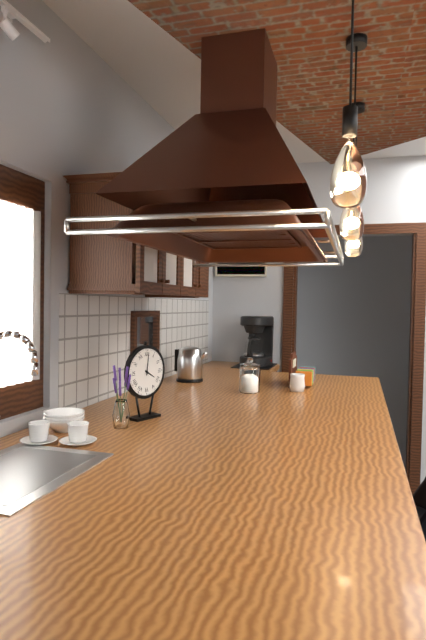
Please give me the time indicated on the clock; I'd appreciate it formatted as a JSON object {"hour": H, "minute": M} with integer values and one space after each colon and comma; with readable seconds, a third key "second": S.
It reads {"hour": 4, "minute": 1}
